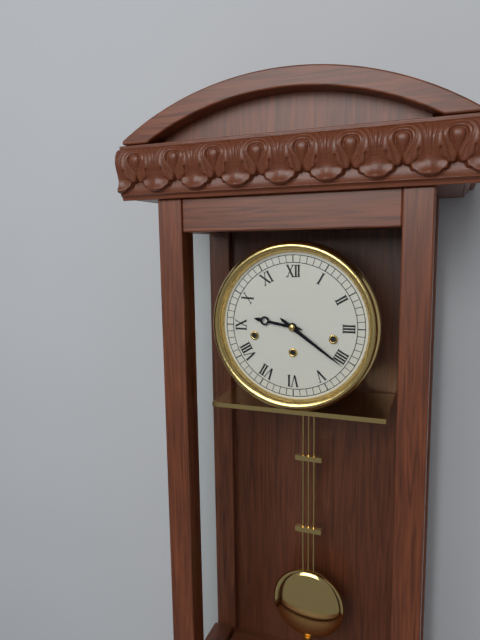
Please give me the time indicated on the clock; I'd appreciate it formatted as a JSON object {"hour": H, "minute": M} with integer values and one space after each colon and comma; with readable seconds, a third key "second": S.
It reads {"hour": 9, "minute": 21}
